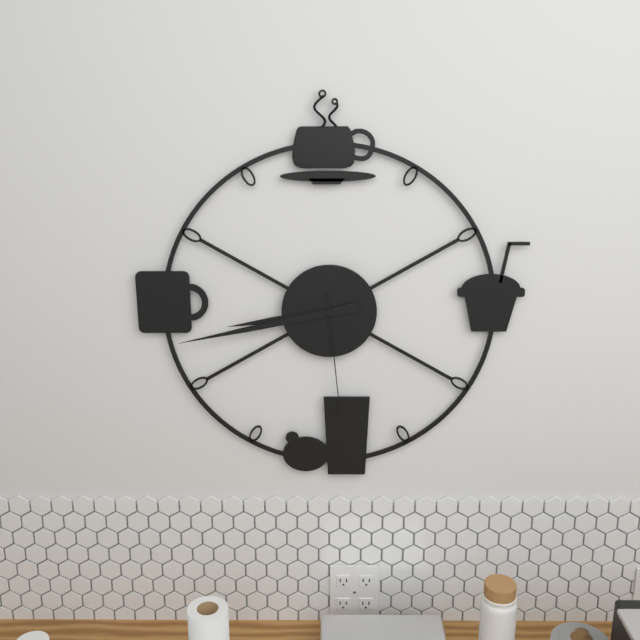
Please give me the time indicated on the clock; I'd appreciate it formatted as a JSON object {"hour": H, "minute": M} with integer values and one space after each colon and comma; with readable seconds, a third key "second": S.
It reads {"hour": 8, "minute": 43, "second": 29}
